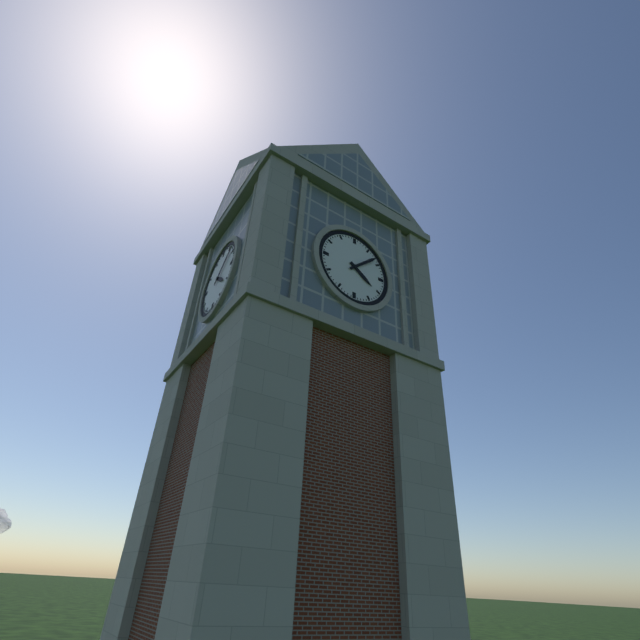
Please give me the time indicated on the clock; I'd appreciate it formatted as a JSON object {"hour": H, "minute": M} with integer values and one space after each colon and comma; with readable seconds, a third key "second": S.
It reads {"hour": 4, "minute": 8}
